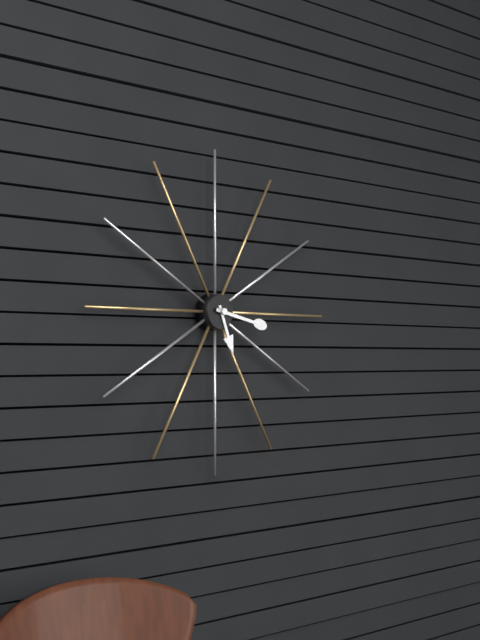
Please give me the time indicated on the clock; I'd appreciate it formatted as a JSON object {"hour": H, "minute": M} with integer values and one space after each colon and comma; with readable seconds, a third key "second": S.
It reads {"hour": 5, "minute": 17}
